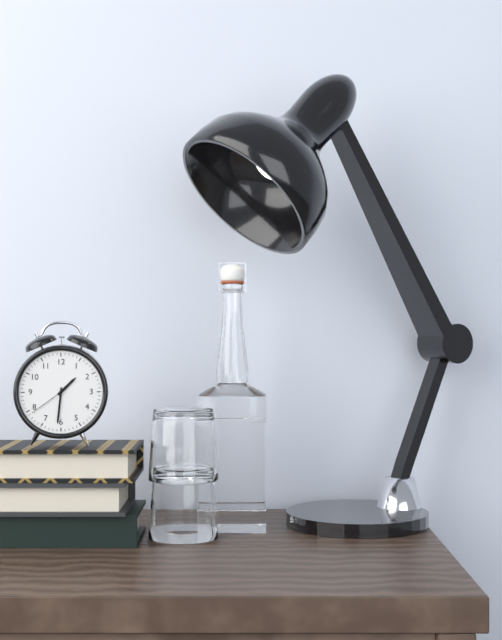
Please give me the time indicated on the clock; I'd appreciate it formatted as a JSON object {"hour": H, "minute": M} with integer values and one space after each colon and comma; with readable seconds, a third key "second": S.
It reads {"hour": 1, "minute": 31}
